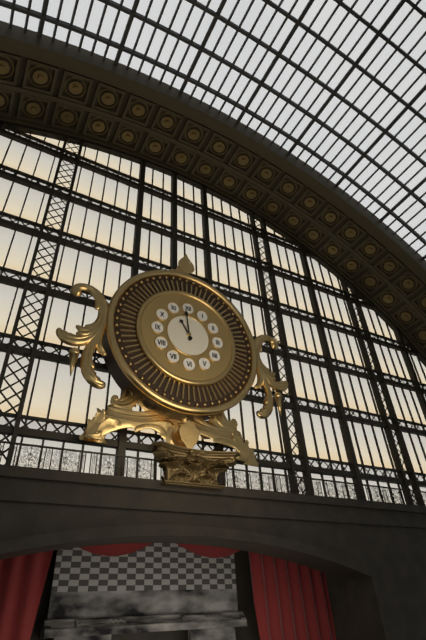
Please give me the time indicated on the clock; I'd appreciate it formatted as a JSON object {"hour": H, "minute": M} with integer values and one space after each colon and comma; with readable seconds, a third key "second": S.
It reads {"hour": 10, "minute": 59}
